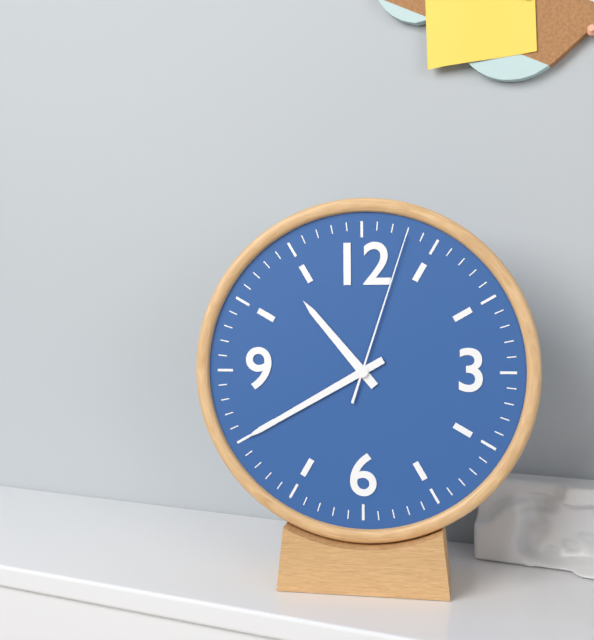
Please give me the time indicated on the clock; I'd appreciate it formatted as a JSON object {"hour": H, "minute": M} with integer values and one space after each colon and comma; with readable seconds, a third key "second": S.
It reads {"hour": 10, "minute": 40, "second": 3}
